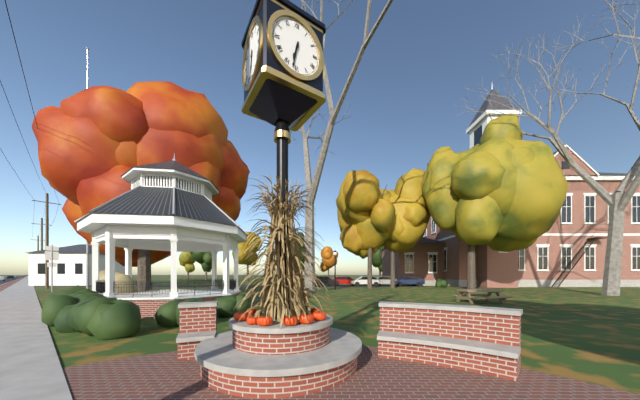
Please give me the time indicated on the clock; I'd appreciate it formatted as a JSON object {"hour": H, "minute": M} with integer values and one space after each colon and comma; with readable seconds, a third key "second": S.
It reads {"hour": 6, "minute": 32}
